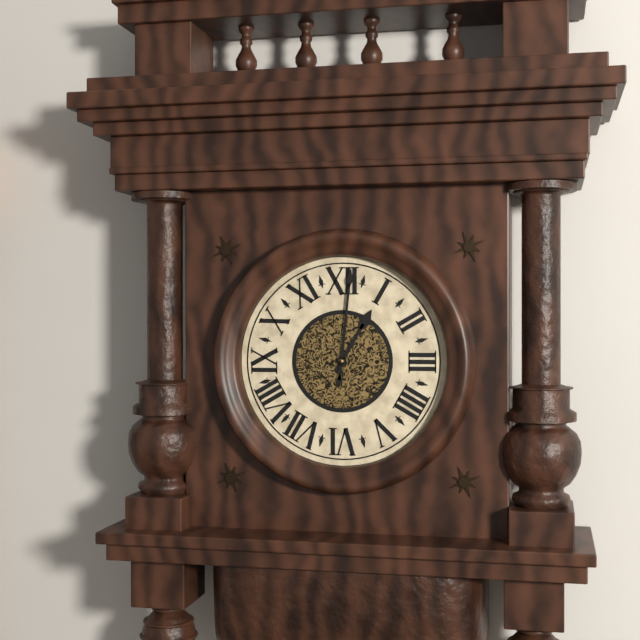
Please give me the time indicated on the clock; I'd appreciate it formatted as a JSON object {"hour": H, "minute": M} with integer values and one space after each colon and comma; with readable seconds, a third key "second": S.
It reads {"hour": 1, "minute": 1}
